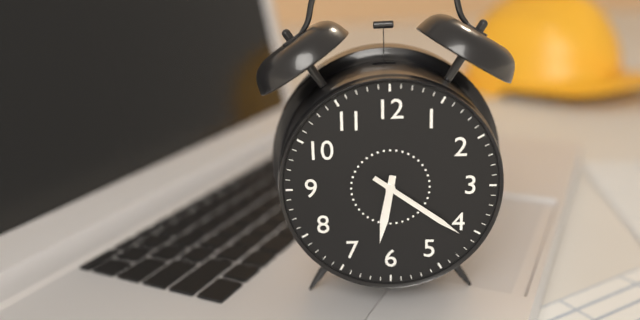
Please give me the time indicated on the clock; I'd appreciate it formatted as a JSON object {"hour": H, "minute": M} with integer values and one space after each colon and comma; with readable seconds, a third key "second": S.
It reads {"hour": 6, "minute": 21}
